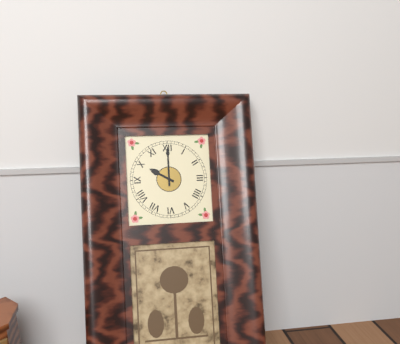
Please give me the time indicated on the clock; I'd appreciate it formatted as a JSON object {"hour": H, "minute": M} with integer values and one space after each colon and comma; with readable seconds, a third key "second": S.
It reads {"hour": 10, "minute": 0}
